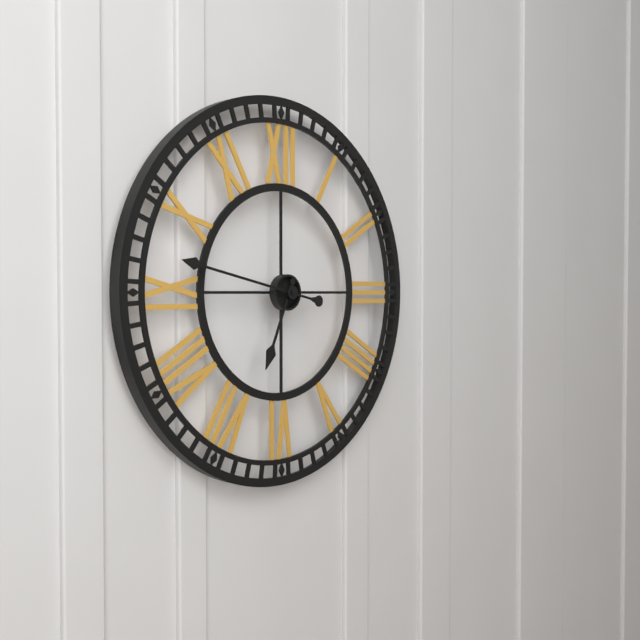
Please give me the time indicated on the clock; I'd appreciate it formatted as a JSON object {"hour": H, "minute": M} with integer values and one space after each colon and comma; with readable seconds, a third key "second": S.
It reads {"hour": 6, "minute": 47}
